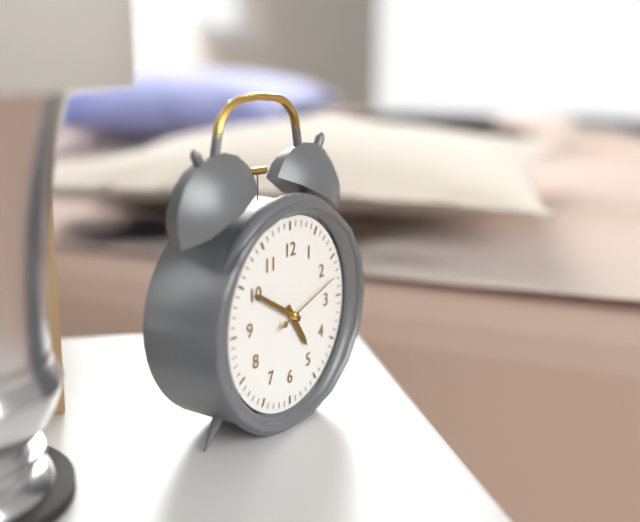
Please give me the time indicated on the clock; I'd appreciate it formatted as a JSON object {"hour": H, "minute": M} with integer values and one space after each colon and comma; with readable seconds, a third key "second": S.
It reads {"hour": 4, "minute": 50, "second": 12}
